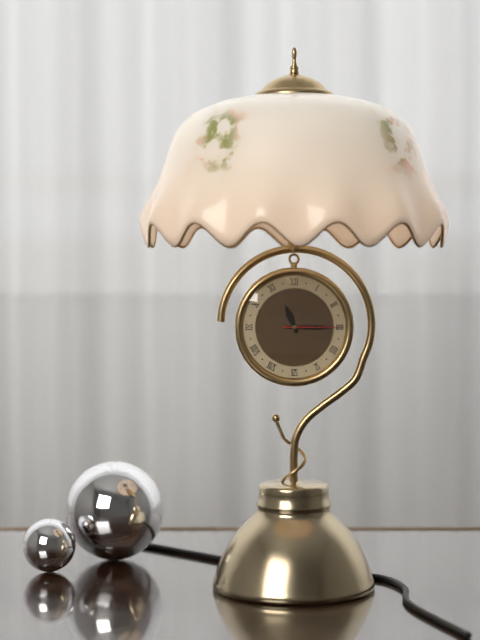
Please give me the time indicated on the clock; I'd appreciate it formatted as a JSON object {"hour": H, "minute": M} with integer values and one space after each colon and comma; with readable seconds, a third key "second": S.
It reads {"hour": 11, "minute": 15, "second": 15}
